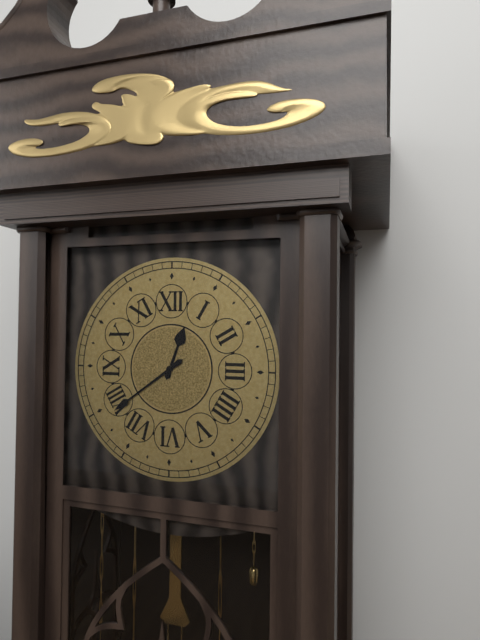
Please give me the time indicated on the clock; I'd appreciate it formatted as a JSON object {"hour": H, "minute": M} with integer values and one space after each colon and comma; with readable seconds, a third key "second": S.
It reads {"hour": 12, "minute": 39}
